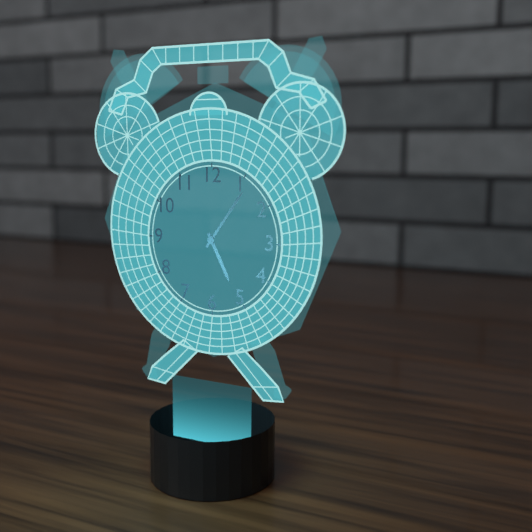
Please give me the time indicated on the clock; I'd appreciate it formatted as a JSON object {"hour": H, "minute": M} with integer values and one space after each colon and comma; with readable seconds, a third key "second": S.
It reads {"hour": 5, "minute": 6}
